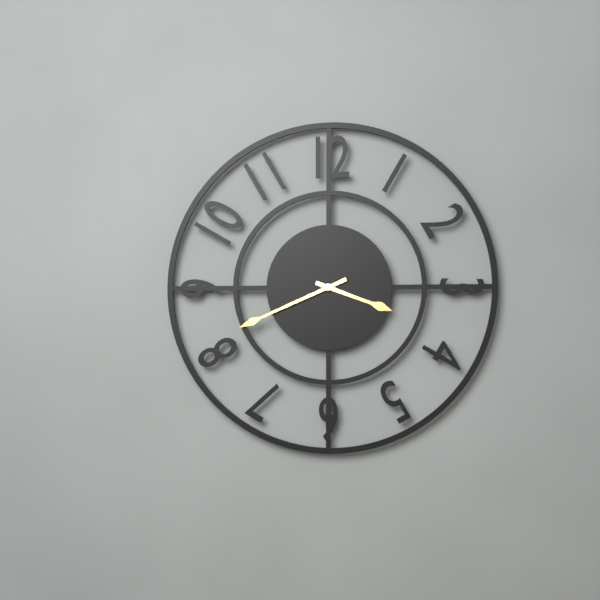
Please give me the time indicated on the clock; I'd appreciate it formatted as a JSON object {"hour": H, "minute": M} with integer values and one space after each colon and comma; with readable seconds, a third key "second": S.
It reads {"hour": 3, "minute": 41}
